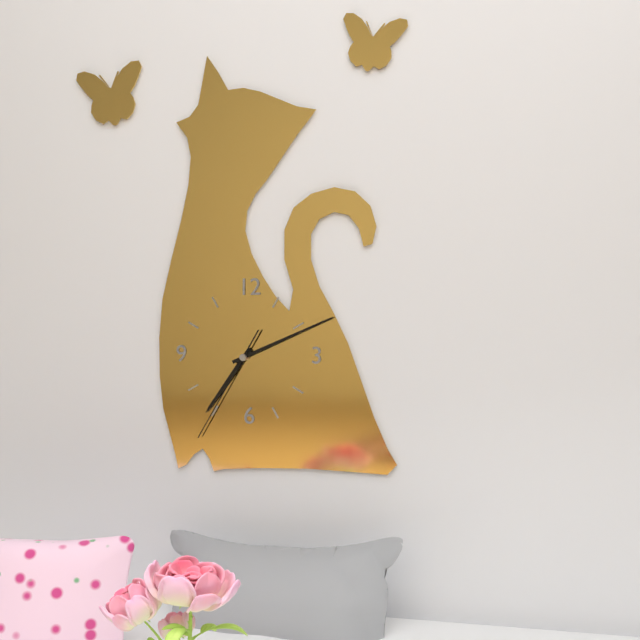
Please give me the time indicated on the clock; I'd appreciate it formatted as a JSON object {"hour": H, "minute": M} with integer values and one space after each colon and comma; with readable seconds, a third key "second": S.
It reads {"hour": 7, "minute": 11, "second": 35}
